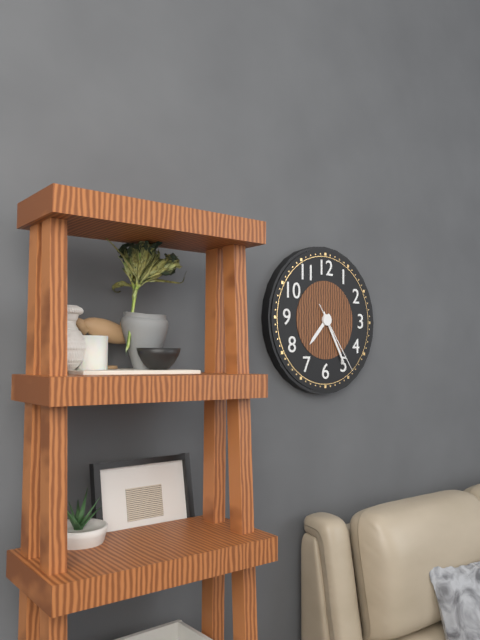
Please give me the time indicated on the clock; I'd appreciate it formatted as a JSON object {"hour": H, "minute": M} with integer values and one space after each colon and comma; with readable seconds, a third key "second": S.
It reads {"hour": 7, "minute": 25, "second": 24}
